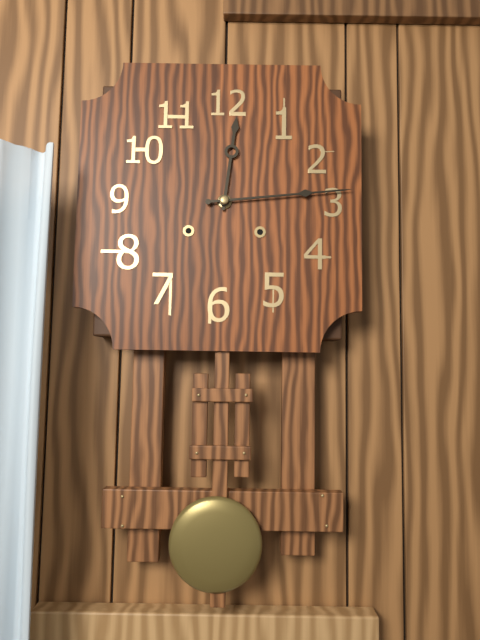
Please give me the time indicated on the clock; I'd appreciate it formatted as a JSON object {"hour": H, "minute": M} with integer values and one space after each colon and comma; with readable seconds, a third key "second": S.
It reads {"hour": 12, "minute": 14}
